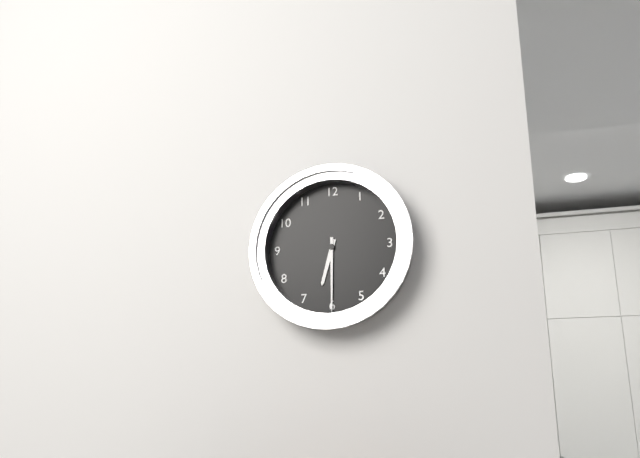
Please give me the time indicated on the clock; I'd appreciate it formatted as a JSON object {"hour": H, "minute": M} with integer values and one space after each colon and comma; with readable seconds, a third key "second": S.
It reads {"hour": 6, "minute": 30}
